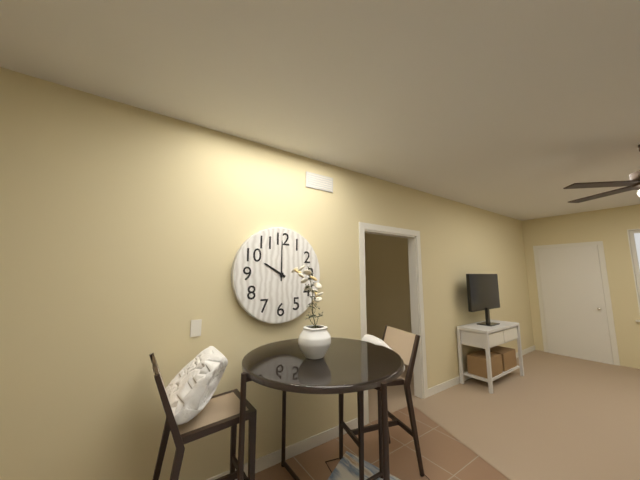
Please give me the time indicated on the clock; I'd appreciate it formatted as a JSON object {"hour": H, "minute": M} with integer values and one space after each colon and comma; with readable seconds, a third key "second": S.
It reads {"hour": 10, "minute": 0}
